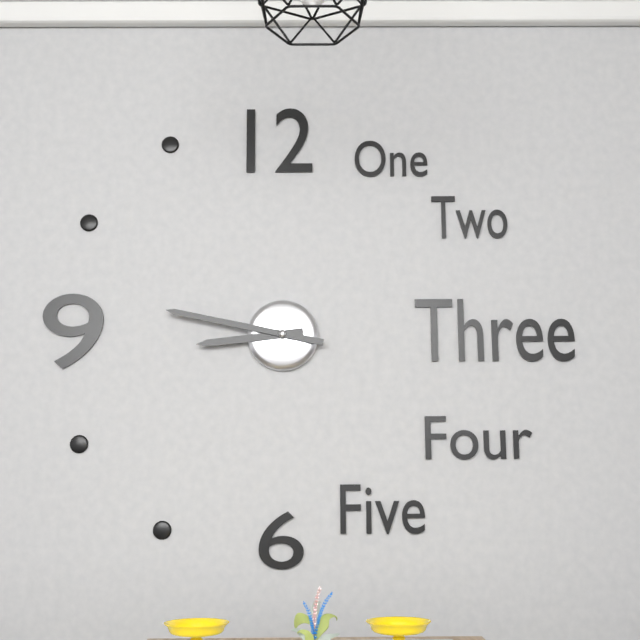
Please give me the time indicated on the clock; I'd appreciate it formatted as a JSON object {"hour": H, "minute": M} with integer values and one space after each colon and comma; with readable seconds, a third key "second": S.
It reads {"hour": 8, "minute": 47}
